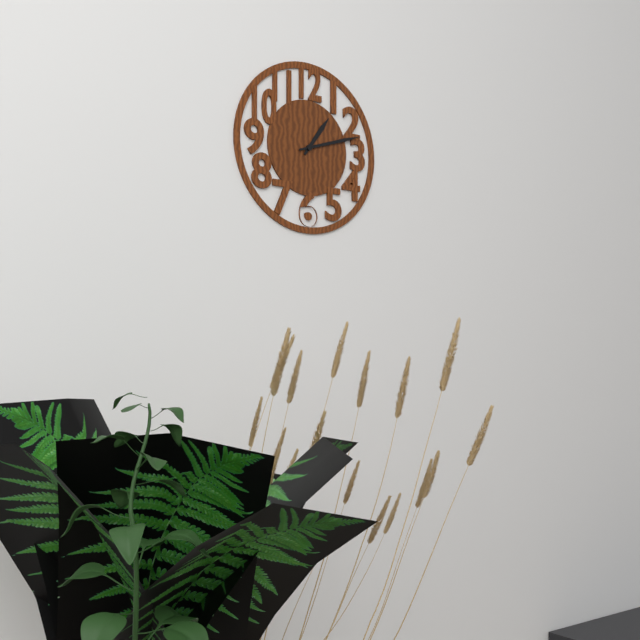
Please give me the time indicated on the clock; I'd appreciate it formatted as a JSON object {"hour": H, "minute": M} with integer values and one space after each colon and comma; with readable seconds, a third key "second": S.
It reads {"hour": 1, "minute": 12}
